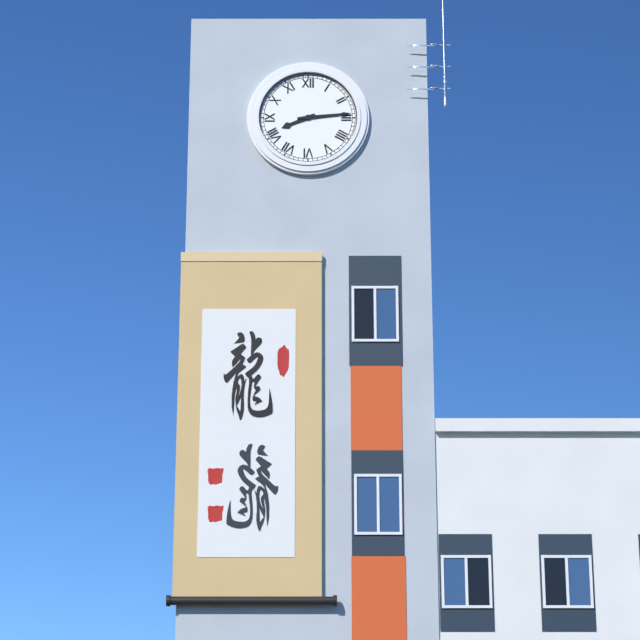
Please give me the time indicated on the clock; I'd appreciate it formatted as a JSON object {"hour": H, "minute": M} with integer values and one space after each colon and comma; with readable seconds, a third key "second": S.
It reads {"hour": 8, "minute": 14}
